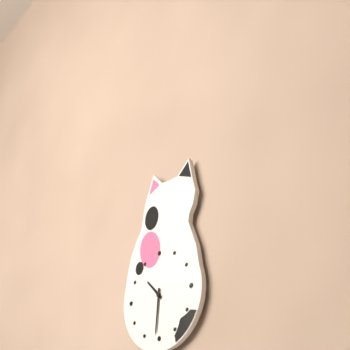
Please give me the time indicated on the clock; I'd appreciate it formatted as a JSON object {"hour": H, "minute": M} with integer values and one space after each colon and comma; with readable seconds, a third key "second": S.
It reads {"hour": 10, "minute": 31}
